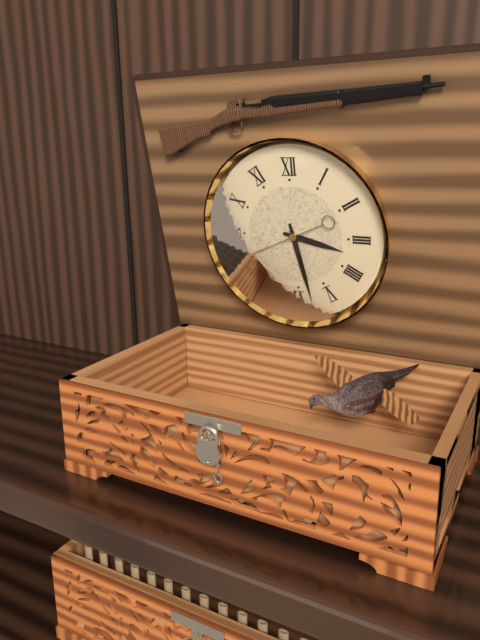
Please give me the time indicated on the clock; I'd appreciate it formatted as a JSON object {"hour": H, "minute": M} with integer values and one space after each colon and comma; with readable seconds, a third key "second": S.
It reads {"hour": 3, "minute": 28, "second": 41}
